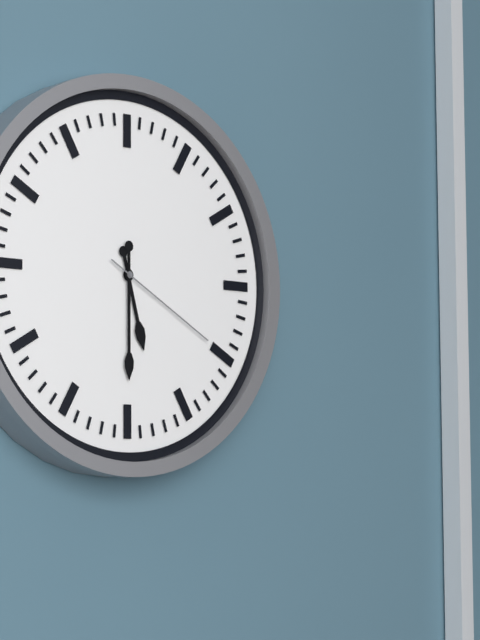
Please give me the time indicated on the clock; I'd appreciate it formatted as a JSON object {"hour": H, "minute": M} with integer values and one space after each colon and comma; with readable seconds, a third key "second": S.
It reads {"hour": 5, "minute": 30, "second": 20}
